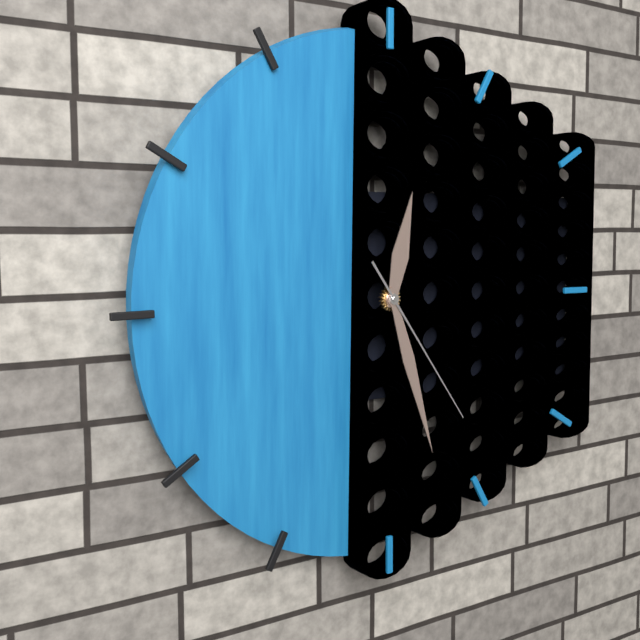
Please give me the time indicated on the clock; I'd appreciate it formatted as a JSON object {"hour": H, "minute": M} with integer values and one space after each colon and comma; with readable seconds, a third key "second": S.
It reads {"hour": 12, "minute": 27, "second": 24}
